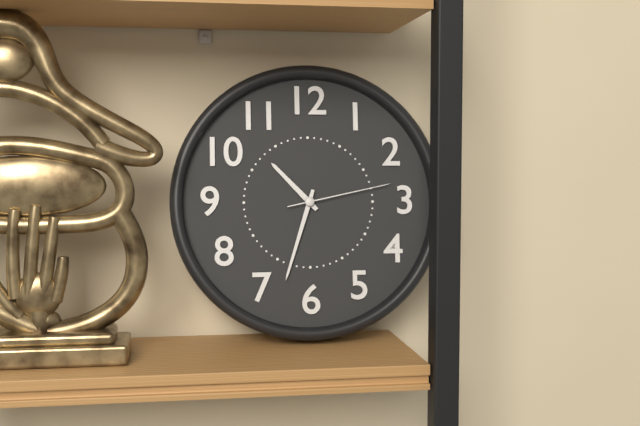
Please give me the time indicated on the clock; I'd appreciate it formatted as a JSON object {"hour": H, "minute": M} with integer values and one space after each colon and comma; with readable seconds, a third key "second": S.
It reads {"hour": 10, "minute": 33, "second": 13}
